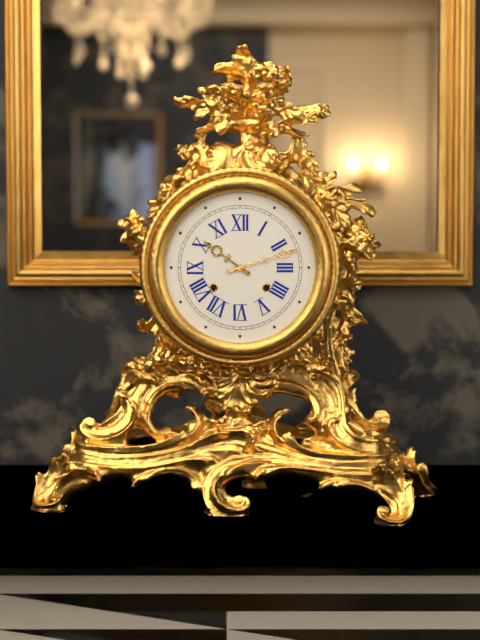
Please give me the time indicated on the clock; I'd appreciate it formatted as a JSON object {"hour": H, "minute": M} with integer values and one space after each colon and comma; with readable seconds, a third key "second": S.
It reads {"hour": 10, "minute": 12}
